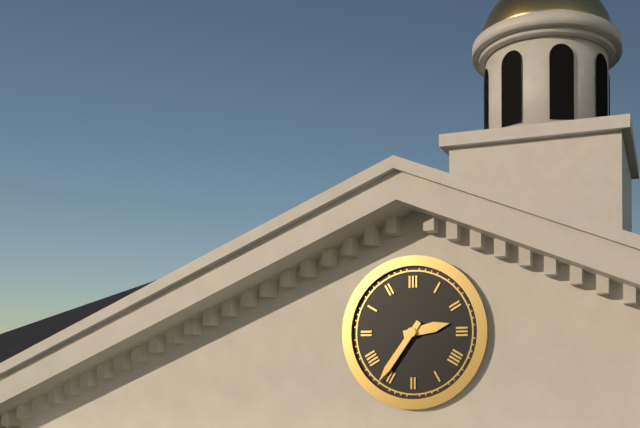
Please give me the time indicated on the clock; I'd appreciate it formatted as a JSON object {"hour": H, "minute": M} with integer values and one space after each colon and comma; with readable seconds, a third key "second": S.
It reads {"hour": 2, "minute": 36}
